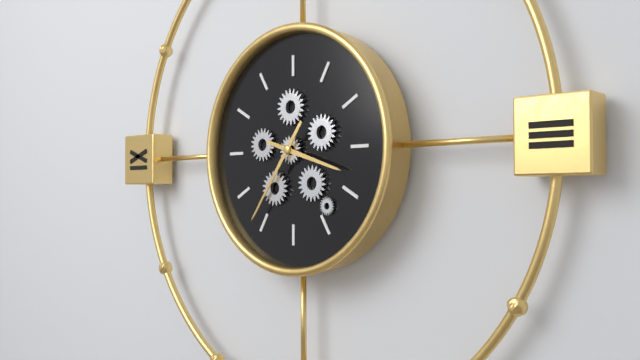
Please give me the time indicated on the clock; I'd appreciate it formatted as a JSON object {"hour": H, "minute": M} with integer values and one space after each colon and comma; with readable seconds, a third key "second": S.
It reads {"hour": 3, "minute": 36}
